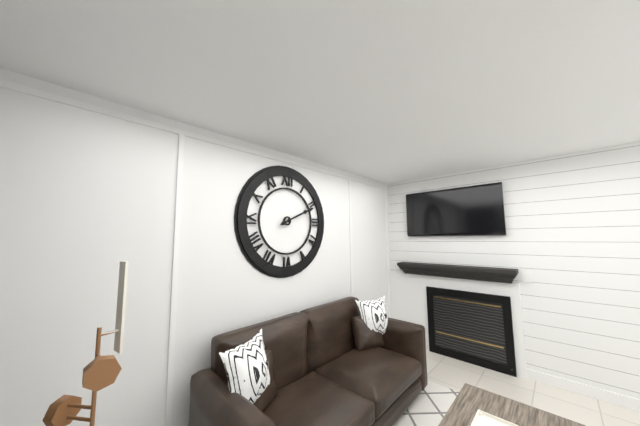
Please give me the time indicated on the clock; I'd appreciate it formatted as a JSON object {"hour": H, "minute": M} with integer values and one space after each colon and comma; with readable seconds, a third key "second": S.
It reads {"hour": 2, "minute": 11}
